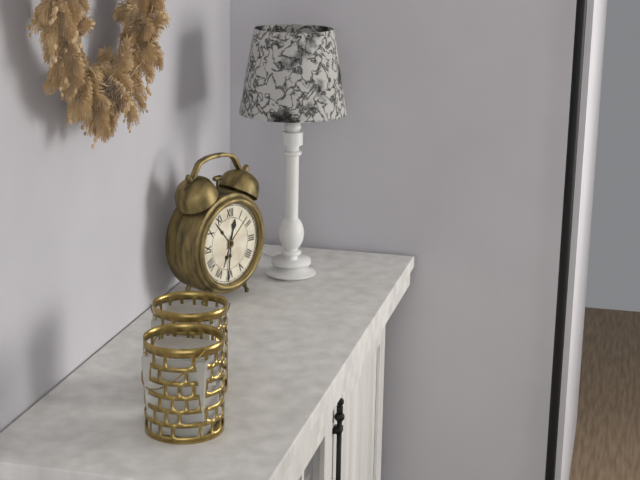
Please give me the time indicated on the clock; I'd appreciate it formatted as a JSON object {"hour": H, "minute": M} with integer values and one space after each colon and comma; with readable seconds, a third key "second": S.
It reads {"hour": 12, "minute": 31}
